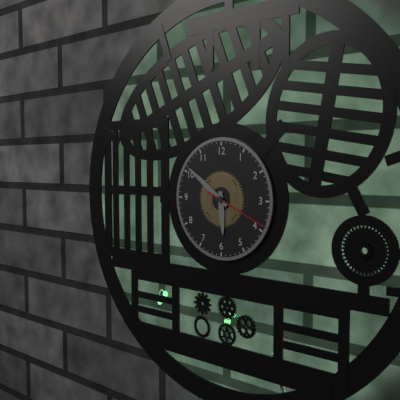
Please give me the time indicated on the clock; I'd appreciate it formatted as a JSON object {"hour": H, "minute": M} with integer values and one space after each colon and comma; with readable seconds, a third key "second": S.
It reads {"hour": 5, "minute": 51, "second": 19}
